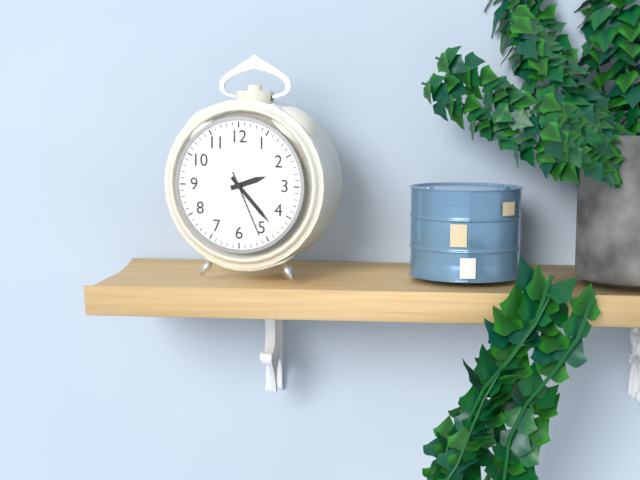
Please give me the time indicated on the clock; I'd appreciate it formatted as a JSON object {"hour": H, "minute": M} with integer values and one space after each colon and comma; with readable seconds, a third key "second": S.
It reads {"hour": 2, "minute": 23, "second": 26}
